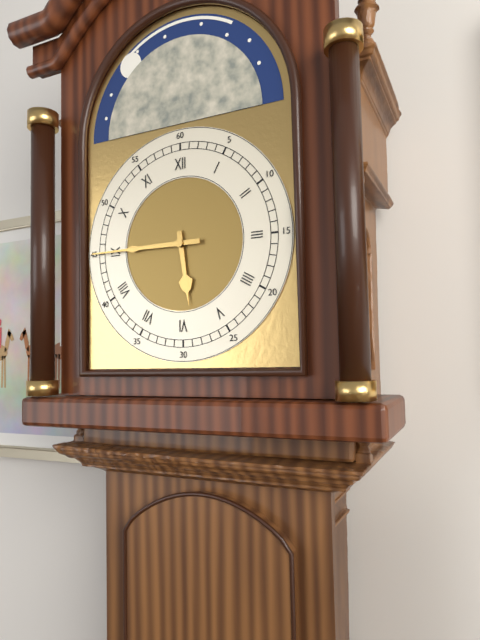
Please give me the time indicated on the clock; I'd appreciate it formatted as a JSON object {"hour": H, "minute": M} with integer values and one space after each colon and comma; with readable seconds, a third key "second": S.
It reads {"hour": 5, "minute": 45}
